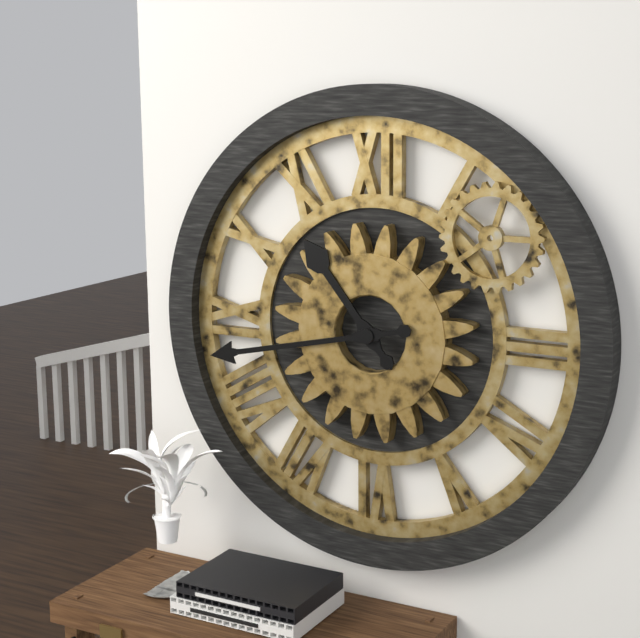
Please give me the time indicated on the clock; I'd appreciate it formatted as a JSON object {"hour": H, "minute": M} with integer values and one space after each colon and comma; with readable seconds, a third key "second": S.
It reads {"hour": 10, "minute": 43}
